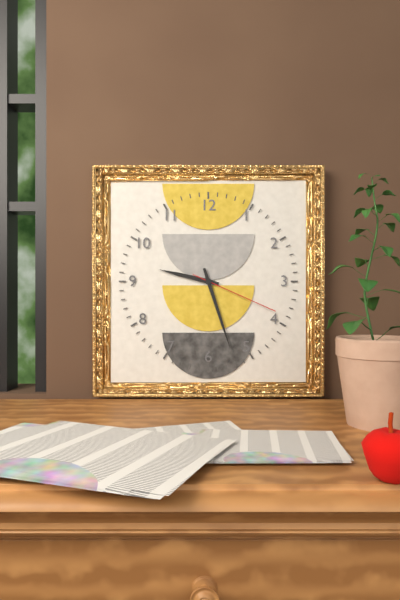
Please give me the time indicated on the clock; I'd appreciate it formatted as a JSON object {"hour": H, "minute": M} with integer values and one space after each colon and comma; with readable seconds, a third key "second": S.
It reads {"hour": 9, "minute": 27, "second": 19}
